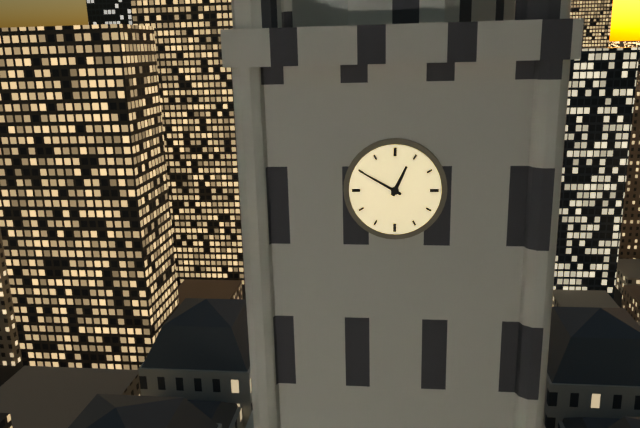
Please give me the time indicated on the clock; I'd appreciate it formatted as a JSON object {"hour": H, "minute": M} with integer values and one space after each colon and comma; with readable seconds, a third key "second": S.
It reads {"hour": 12, "minute": 50}
